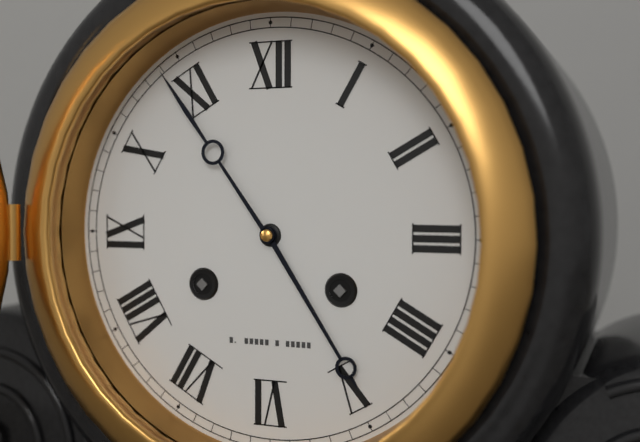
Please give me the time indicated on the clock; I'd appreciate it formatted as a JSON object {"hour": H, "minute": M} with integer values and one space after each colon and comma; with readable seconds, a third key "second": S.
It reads {"hour": 4, "minute": 54}
